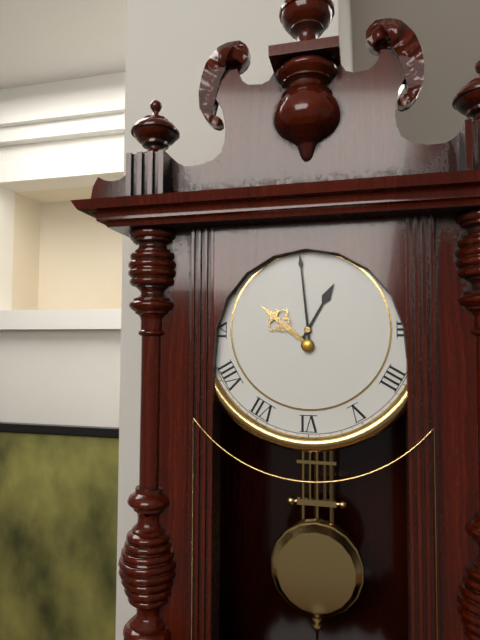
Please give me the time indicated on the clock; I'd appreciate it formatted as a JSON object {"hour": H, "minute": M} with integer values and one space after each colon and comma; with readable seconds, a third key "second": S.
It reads {"hour": 12, "minute": 59}
